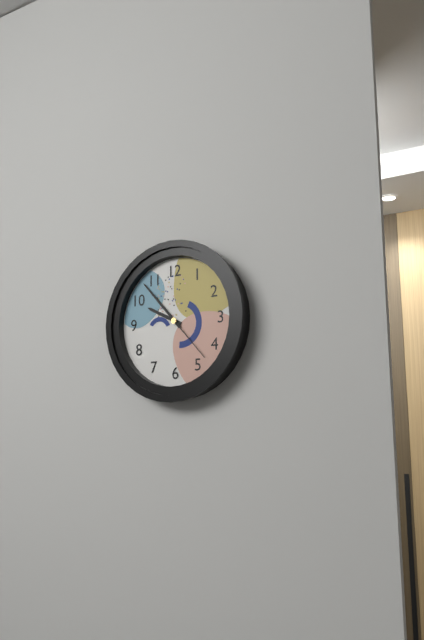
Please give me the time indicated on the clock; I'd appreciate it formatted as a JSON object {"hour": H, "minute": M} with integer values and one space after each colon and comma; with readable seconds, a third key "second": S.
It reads {"hour": 9, "minute": 53, "second": 23}
